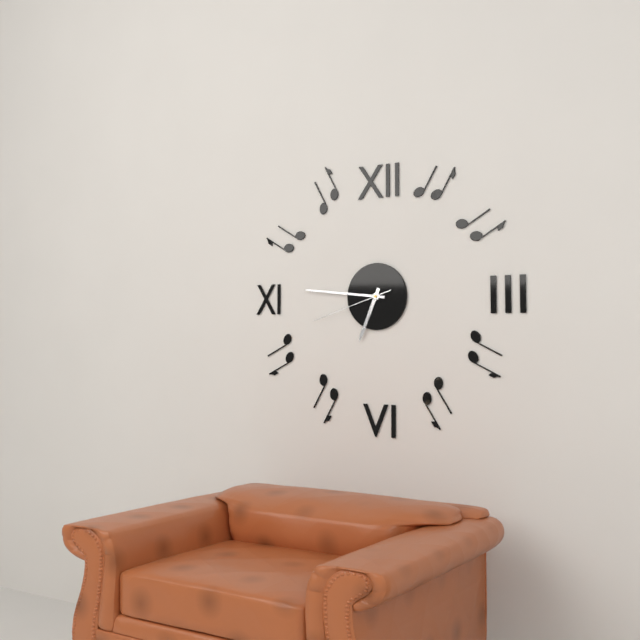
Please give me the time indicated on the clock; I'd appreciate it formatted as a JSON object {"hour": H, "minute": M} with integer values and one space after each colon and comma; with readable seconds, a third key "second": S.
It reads {"hour": 6, "minute": 46, "second": 42}
